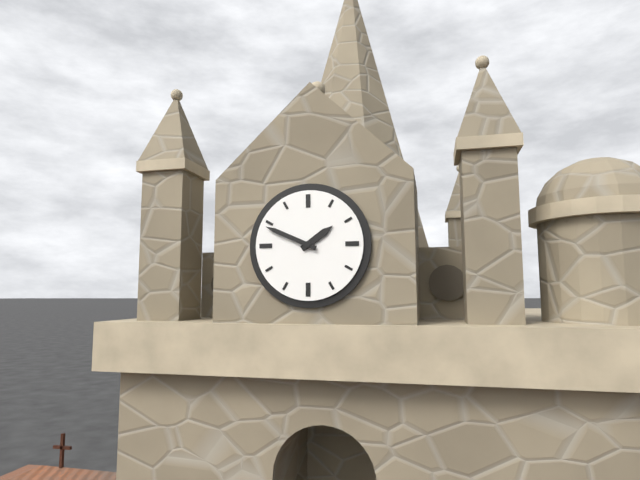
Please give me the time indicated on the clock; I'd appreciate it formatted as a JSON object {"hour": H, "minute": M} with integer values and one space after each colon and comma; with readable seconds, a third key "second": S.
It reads {"hour": 1, "minute": 49}
